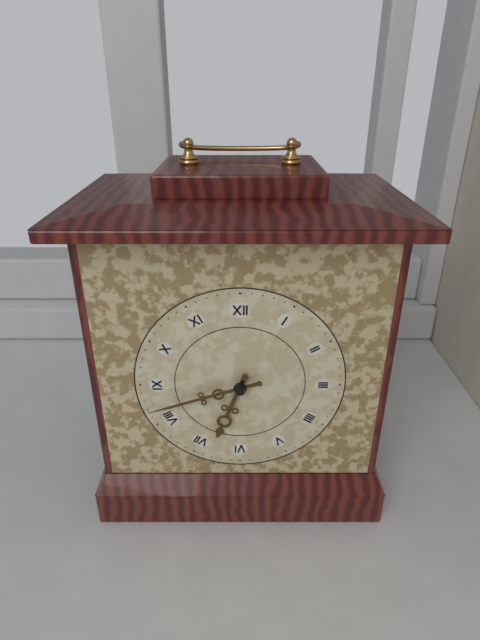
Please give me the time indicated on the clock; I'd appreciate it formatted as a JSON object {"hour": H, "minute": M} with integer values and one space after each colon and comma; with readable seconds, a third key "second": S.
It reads {"hour": 6, "minute": 42}
